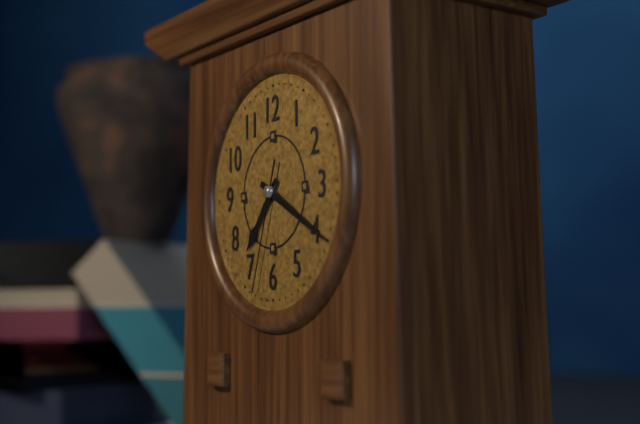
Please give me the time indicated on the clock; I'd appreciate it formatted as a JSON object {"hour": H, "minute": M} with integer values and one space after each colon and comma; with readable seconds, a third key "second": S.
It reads {"hour": 7, "minute": 20, "second": 33}
